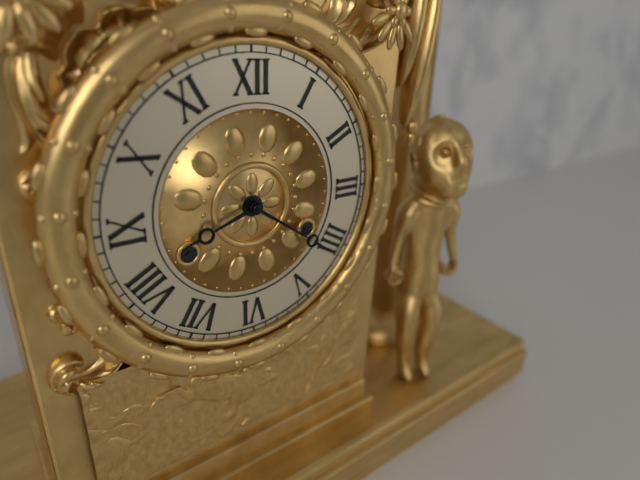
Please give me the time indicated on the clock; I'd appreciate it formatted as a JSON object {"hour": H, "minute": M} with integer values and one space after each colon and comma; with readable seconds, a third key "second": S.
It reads {"hour": 8, "minute": 21}
